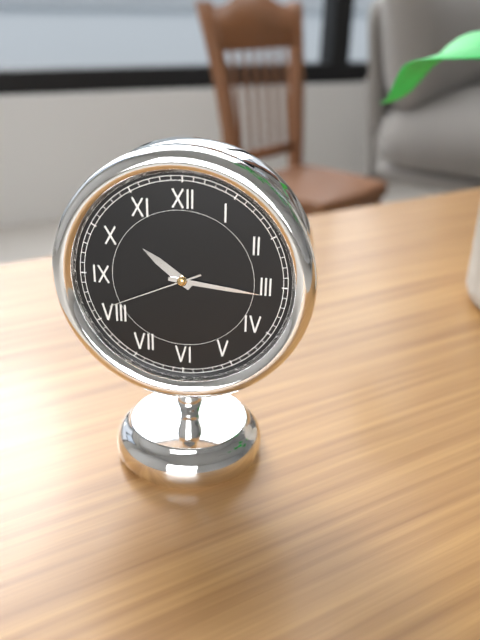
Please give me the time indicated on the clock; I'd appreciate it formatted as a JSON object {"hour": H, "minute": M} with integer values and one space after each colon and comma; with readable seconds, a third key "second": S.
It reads {"hour": 10, "minute": 16, "second": 41}
